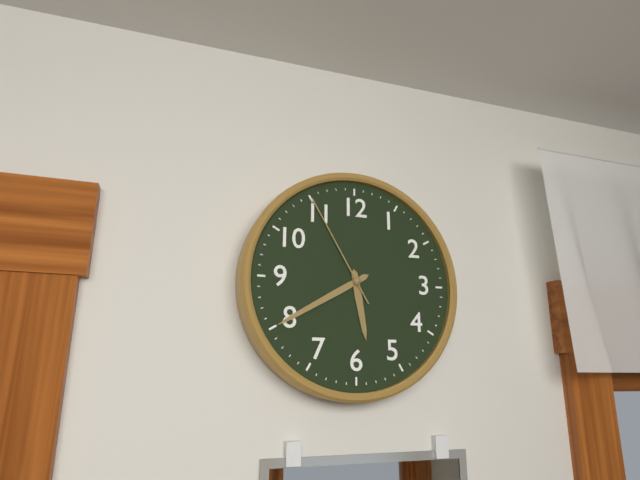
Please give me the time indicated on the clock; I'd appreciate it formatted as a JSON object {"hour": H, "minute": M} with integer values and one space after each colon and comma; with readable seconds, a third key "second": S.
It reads {"hour": 5, "minute": 40, "second": 55}
